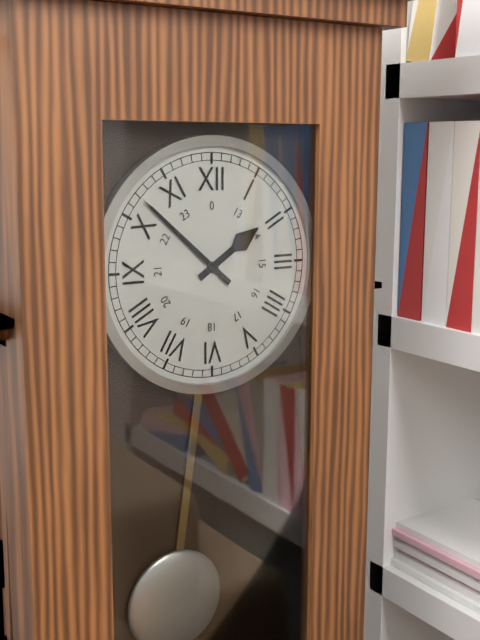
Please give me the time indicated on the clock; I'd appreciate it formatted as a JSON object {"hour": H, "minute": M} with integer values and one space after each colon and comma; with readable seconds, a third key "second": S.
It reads {"hour": 1, "minute": 52}
